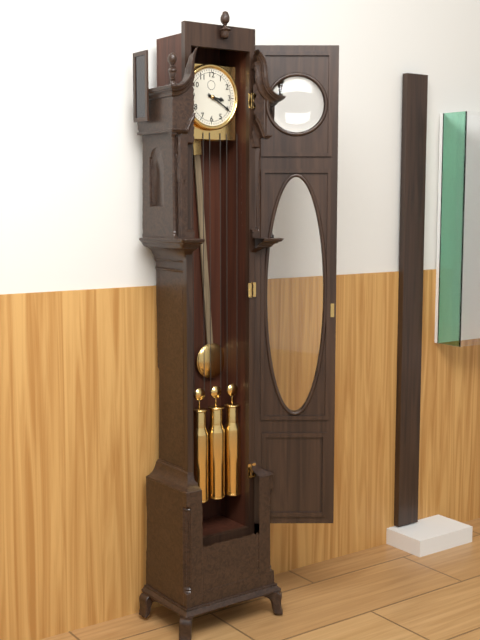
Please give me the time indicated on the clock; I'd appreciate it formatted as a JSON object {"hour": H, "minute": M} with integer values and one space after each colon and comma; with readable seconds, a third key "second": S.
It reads {"hour": 3, "minute": 20}
